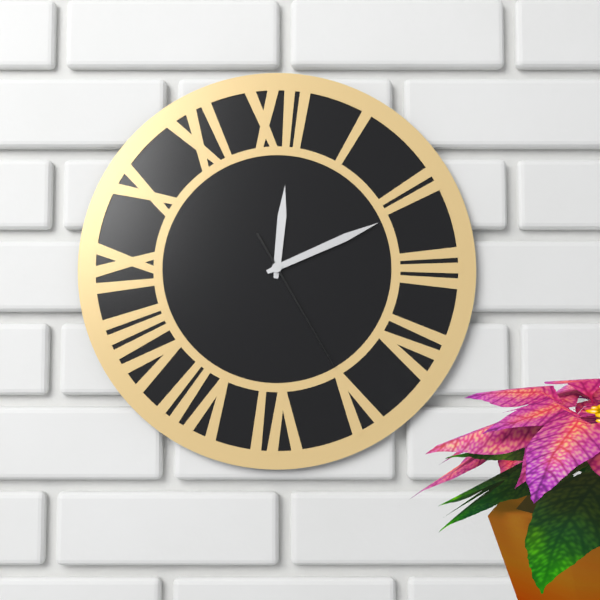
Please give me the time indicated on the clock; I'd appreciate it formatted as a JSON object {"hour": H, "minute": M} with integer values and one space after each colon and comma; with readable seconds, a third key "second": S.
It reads {"hour": 12, "minute": 11, "second": 25}
